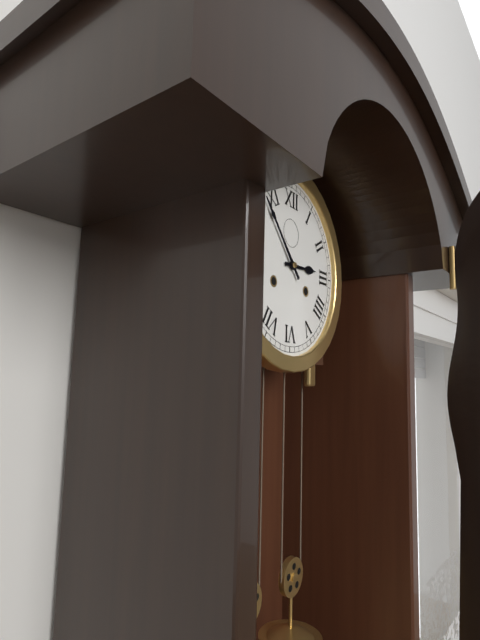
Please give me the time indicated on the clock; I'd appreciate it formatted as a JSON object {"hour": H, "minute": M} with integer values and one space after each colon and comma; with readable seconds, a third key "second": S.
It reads {"hour": 2, "minute": 53}
